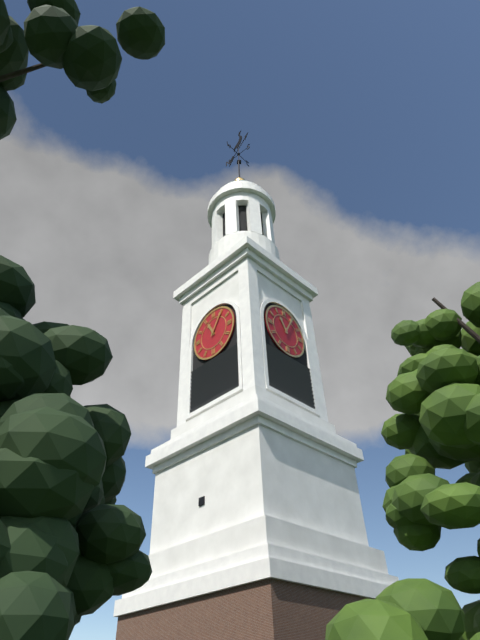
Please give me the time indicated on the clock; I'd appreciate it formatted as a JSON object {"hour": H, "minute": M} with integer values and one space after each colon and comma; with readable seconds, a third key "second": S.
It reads {"hour": 11, "minute": 5}
